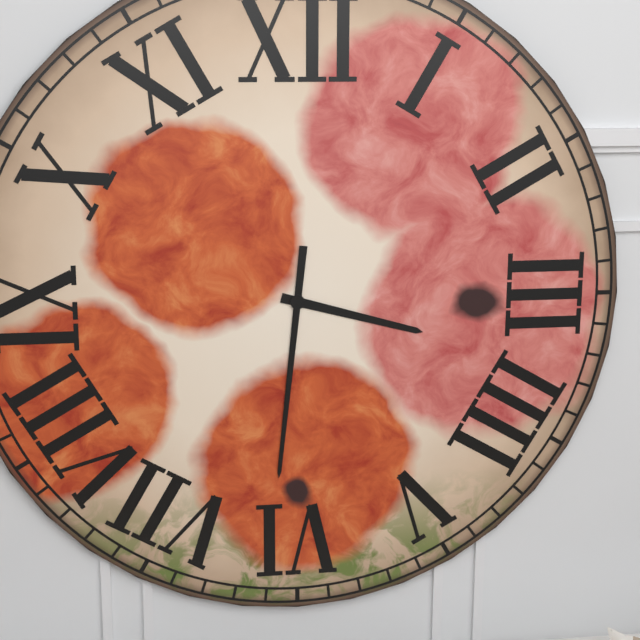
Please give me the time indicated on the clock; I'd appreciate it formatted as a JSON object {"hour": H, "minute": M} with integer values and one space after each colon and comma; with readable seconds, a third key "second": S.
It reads {"hour": 3, "minute": 31}
